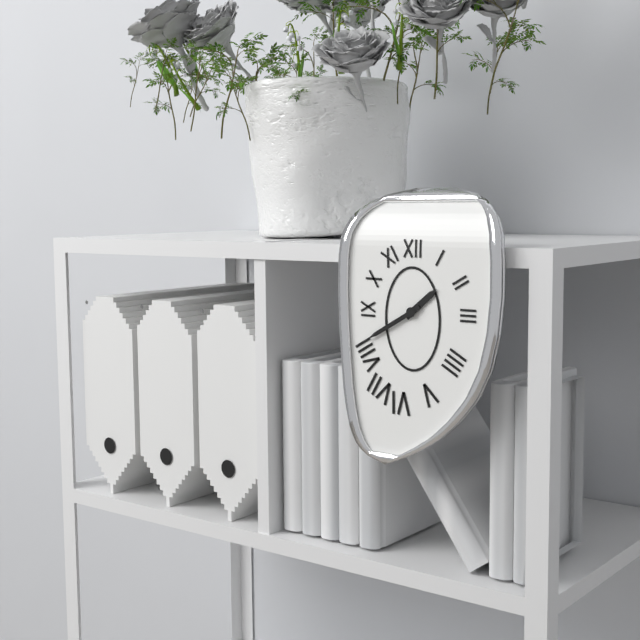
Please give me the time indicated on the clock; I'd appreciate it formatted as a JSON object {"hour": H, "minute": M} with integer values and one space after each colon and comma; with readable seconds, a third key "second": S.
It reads {"hour": 1, "minute": 40}
